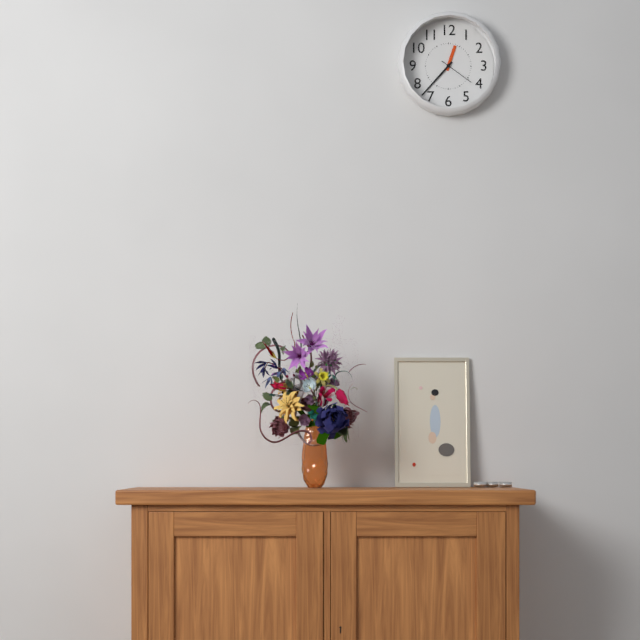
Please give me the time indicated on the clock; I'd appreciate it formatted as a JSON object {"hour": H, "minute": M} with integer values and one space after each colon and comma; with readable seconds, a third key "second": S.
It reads {"hour": 12, "minute": 37}
